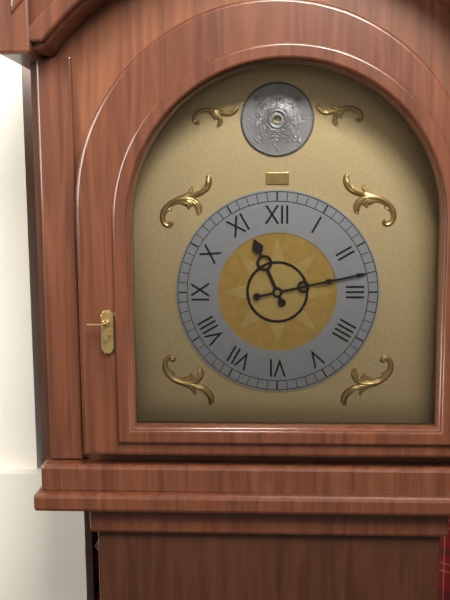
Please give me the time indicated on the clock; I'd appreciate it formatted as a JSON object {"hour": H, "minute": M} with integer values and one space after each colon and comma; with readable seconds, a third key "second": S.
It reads {"hour": 11, "minute": 13}
